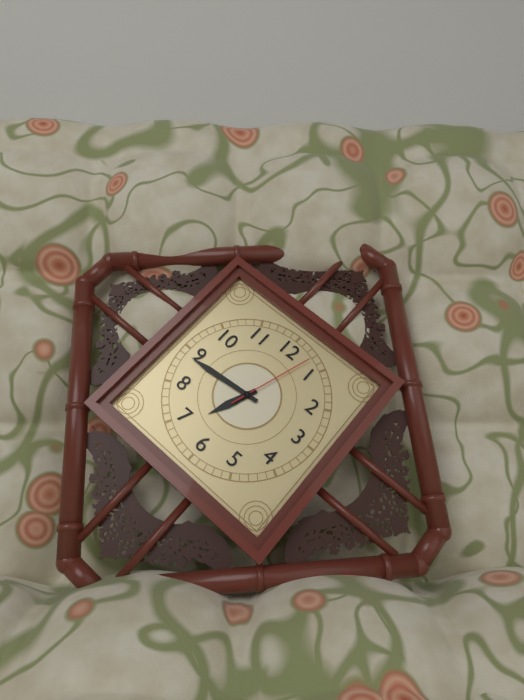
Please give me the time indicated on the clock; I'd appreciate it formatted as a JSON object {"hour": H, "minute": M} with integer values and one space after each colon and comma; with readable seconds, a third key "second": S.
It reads {"hour": 6, "minute": 44, "second": 3}
